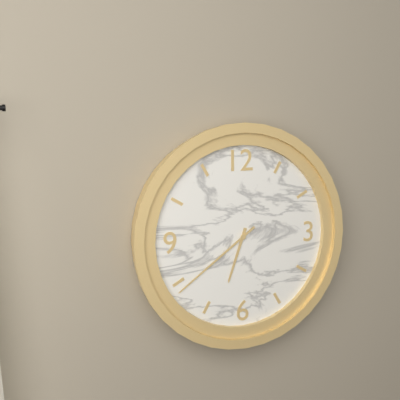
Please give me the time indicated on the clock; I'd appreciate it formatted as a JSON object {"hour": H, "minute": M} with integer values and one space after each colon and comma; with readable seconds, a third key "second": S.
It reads {"hour": 6, "minute": 39}
